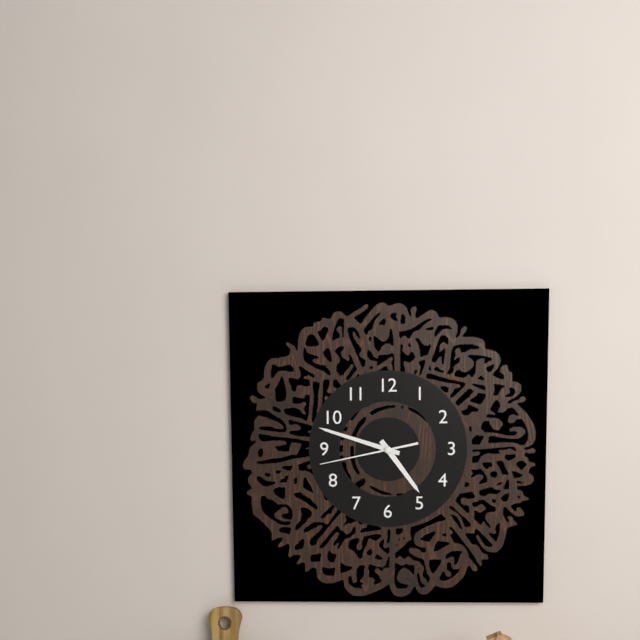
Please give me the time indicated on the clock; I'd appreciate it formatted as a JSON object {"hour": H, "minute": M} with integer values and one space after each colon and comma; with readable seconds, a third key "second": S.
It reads {"hour": 4, "minute": 48, "second": 43}
